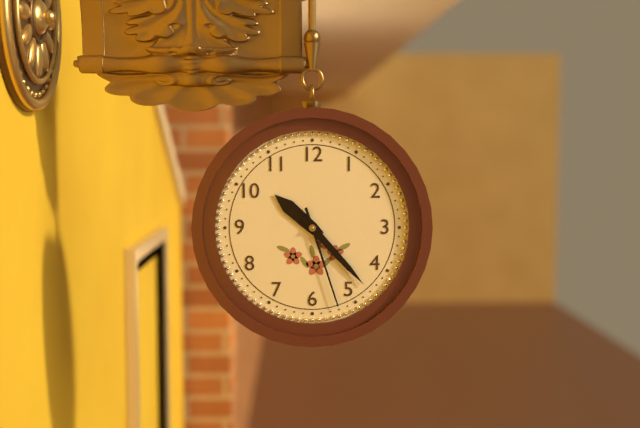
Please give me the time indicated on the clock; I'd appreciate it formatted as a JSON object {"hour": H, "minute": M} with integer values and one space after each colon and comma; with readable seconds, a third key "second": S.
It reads {"hour": 10, "minute": 23, "second": 27}
